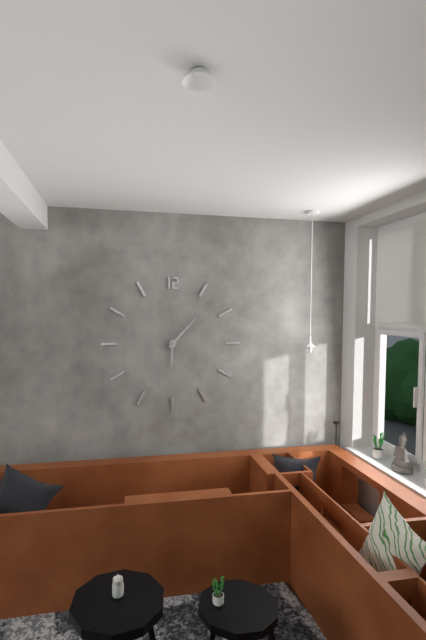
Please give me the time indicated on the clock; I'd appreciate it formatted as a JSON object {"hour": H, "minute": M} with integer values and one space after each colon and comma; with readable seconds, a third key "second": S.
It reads {"hour": 6, "minute": 7}
